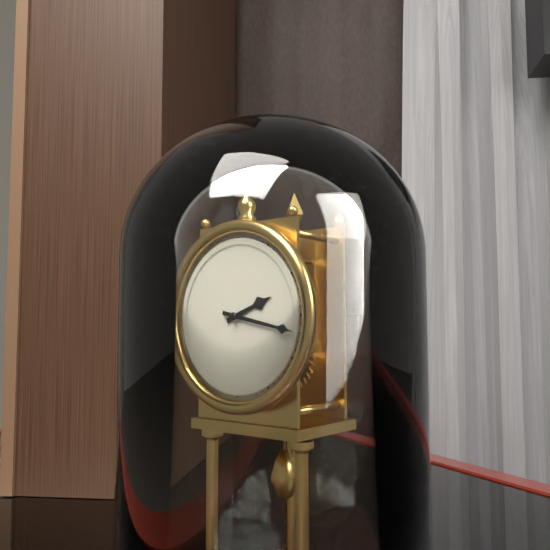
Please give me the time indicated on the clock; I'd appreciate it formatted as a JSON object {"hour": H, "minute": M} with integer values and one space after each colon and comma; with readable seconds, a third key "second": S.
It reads {"hour": 2, "minute": 17}
